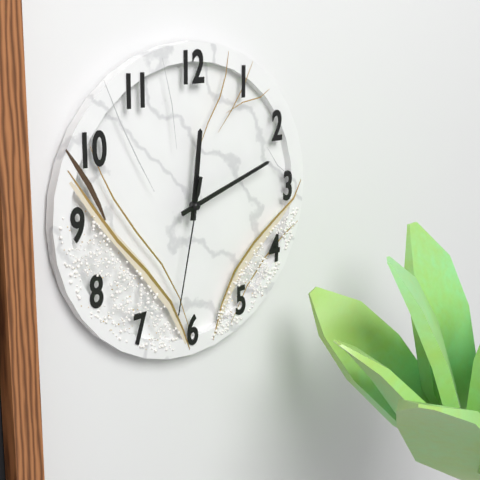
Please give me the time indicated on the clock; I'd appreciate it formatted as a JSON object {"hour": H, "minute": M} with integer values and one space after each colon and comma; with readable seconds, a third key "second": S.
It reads {"hour": 12, "minute": 12, "second": 32}
